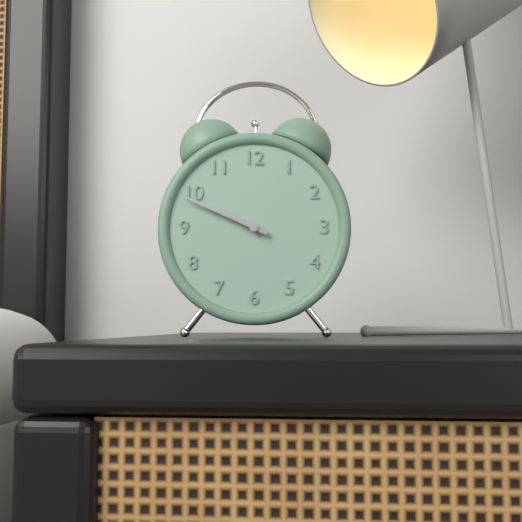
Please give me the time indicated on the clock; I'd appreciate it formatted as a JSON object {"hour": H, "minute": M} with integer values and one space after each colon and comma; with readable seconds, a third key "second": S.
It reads {"hour": 9, "minute": 49}
